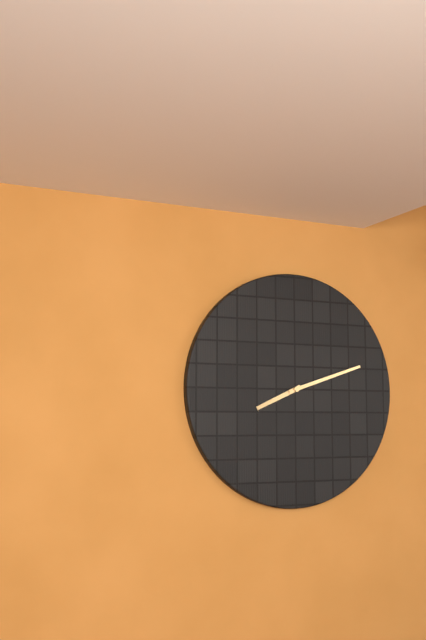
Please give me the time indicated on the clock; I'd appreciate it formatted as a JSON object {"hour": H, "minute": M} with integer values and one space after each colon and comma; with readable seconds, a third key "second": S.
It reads {"hour": 8, "minute": 12}
